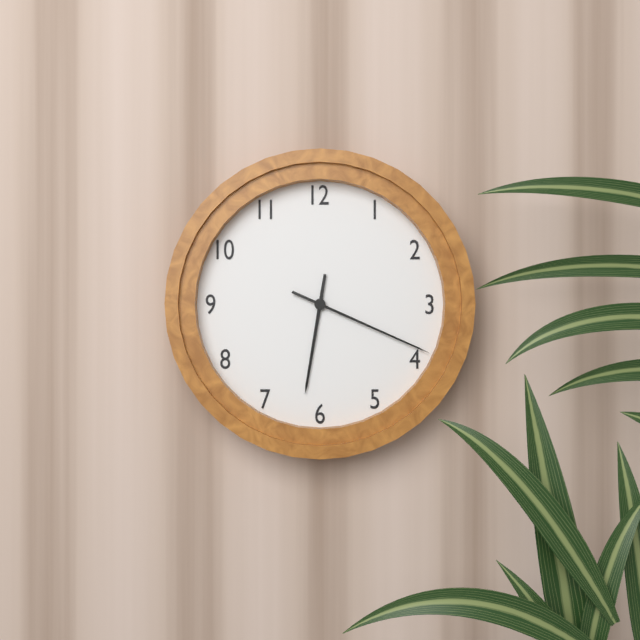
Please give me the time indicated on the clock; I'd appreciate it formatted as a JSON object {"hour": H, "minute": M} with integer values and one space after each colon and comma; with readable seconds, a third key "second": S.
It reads {"hour": 6, "minute": 19}
